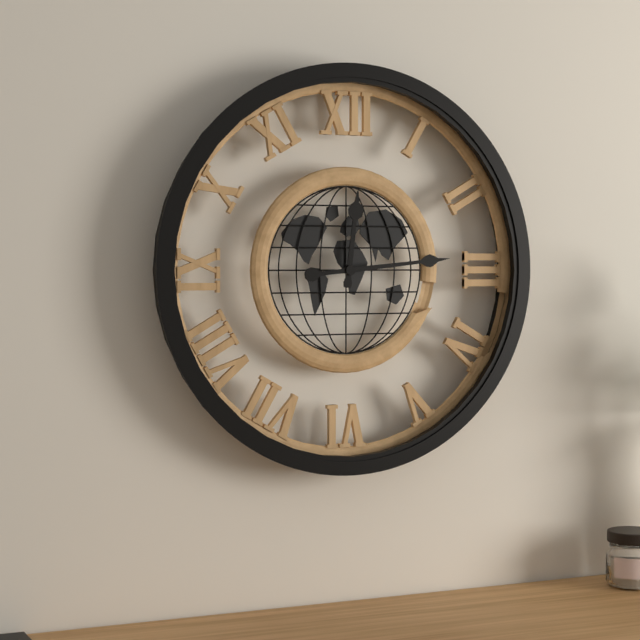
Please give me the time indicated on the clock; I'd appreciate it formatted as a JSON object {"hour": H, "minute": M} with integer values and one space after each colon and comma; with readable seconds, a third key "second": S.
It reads {"hour": 12, "minute": 14}
